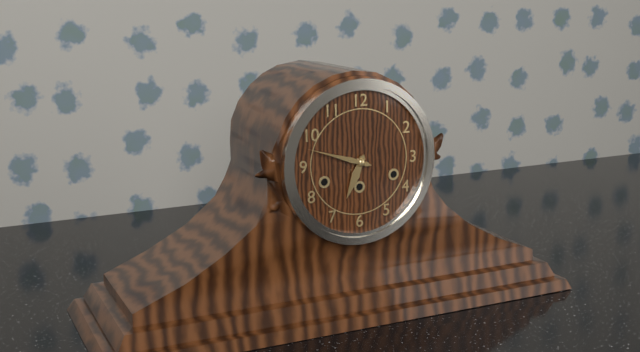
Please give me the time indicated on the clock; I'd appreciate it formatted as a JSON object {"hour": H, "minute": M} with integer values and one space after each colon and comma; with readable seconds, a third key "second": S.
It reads {"hour": 6, "minute": 48}
